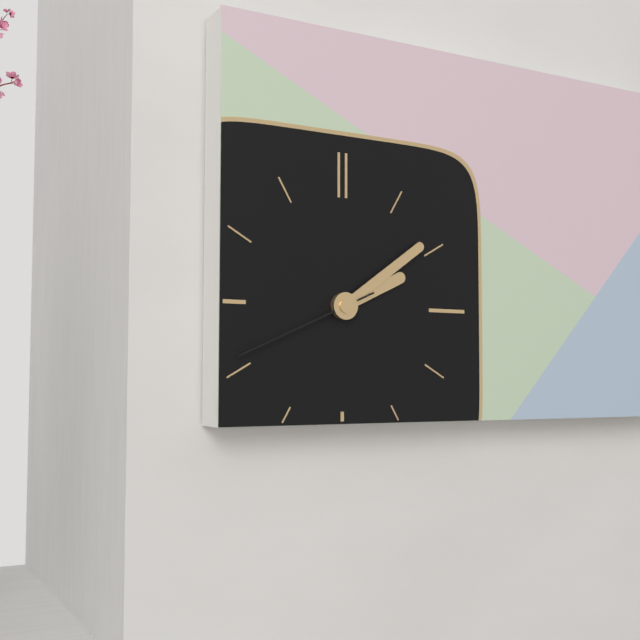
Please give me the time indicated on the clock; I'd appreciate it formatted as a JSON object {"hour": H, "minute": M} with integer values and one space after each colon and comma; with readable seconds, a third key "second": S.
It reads {"hour": 2, "minute": 9, "second": 41}
